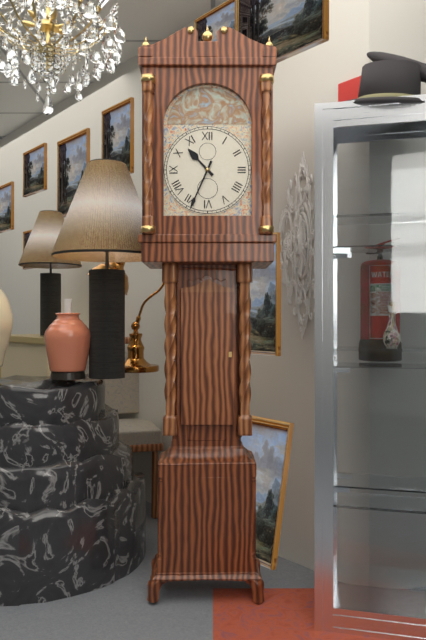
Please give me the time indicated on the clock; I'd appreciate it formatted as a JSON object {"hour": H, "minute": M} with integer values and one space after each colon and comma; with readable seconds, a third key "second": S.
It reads {"hour": 10, "minute": 34}
